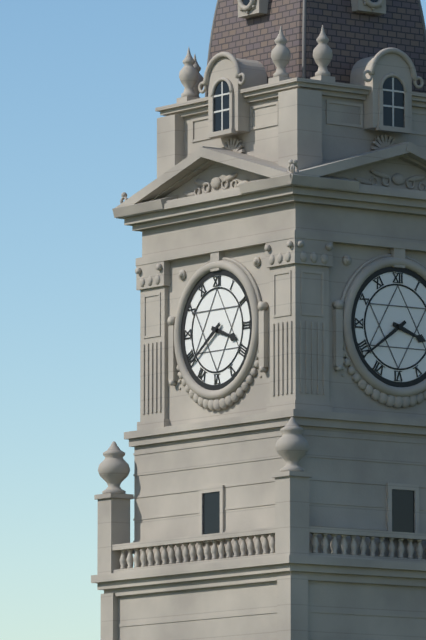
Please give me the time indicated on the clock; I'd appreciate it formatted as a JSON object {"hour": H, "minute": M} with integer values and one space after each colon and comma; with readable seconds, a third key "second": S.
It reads {"hour": 3, "minute": 39}
